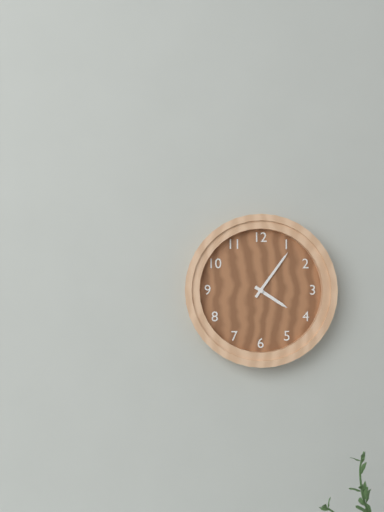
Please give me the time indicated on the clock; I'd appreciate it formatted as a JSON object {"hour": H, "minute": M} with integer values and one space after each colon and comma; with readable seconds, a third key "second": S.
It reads {"hour": 4, "minute": 6}
